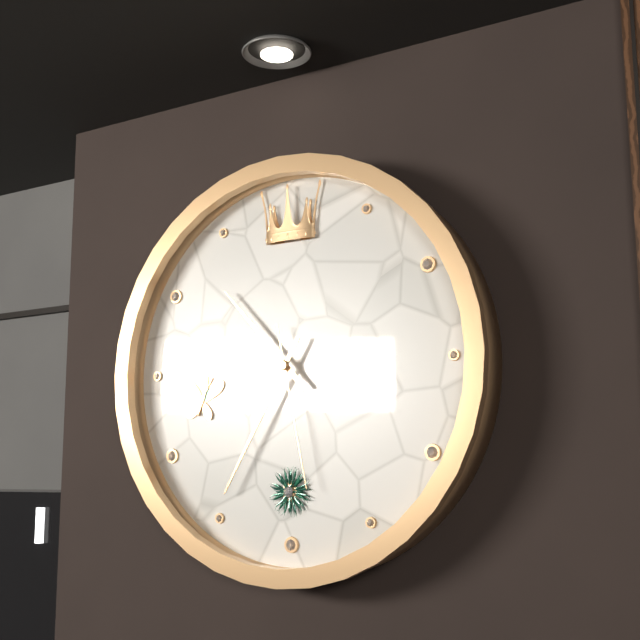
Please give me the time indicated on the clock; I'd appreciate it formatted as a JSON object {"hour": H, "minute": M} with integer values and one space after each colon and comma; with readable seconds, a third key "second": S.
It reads {"hour": 10, "minute": 35, "second": 28}
